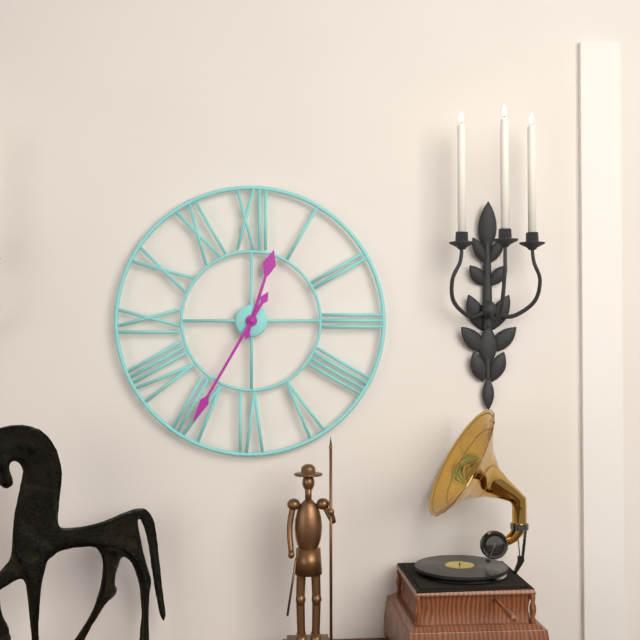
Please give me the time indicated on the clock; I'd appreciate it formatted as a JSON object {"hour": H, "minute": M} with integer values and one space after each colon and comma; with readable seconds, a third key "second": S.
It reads {"hour": 12, "minute": 35}
